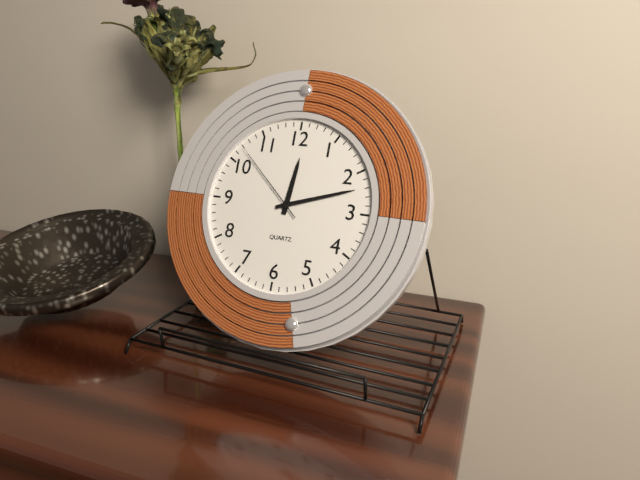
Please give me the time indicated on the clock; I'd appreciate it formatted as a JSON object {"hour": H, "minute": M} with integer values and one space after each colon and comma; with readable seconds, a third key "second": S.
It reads {"hour": 12, "minute": 12, "second": 52}
